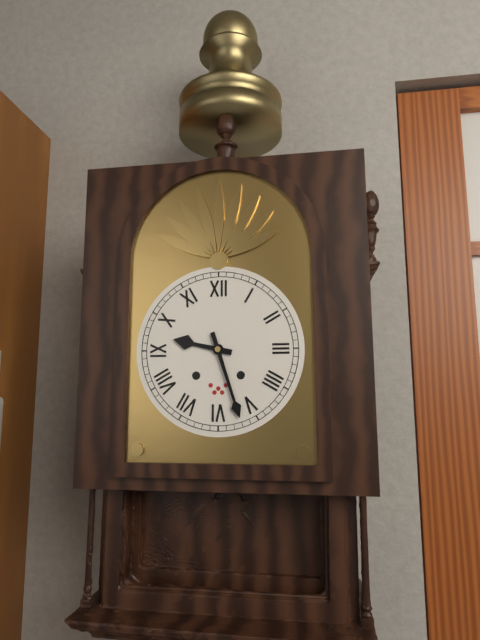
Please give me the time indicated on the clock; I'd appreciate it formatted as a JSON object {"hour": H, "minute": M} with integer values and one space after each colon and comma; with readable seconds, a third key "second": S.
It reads {"hour": 9, "minute": 27}
